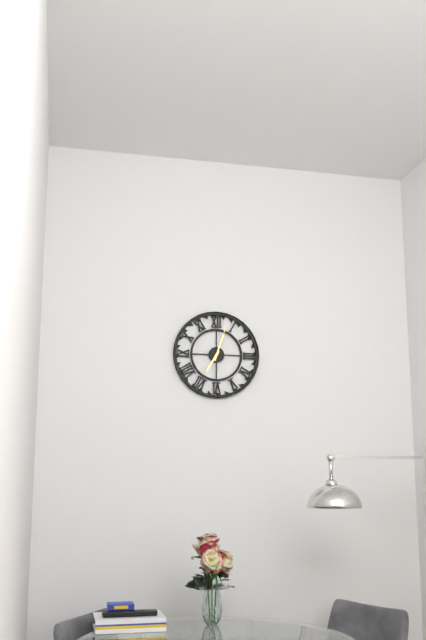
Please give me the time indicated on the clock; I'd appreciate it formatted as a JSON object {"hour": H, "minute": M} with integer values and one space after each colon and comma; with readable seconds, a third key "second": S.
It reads {"hour": 7, "minute": 3}
